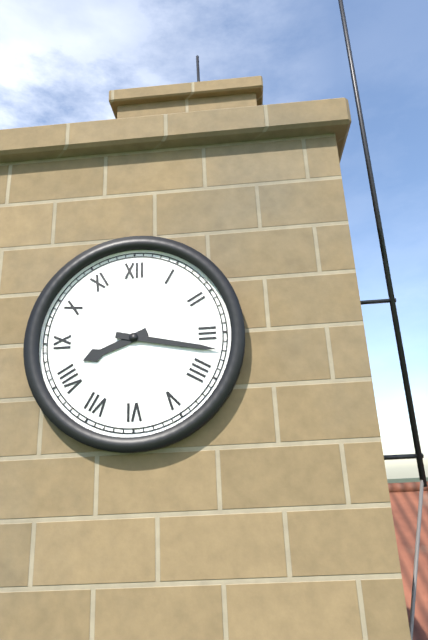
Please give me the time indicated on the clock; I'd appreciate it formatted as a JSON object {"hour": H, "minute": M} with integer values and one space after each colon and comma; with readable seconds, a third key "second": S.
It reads {"hour": 8, "minute": 17}
